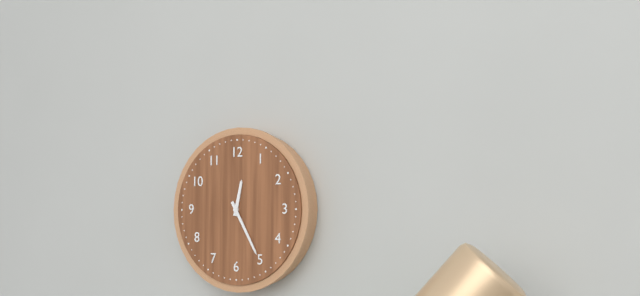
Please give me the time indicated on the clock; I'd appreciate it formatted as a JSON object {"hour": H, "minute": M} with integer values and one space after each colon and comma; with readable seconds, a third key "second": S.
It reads {"hour": 12, "minute": 25}
